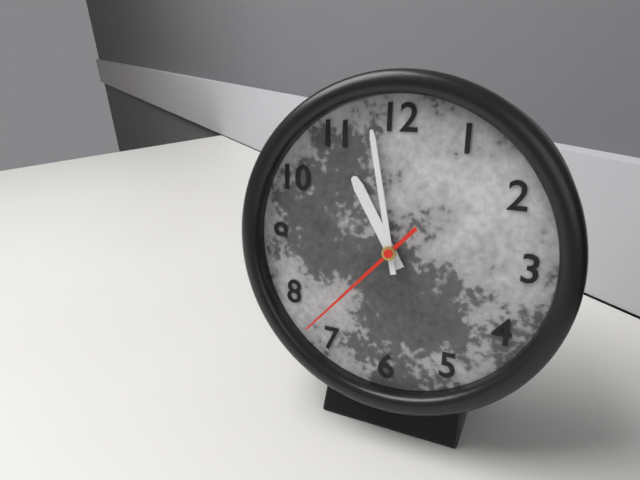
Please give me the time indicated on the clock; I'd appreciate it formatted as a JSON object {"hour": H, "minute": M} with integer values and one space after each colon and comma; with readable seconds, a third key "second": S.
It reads {"hour": 10, "minute": 58, "second": 37}
